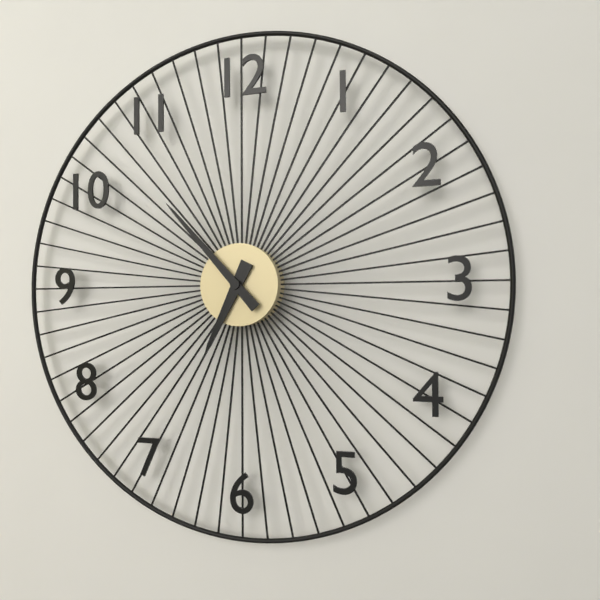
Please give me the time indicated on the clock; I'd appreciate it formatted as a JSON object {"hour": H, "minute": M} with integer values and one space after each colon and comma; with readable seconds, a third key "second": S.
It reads {"hour": 6, "minute": 53}
